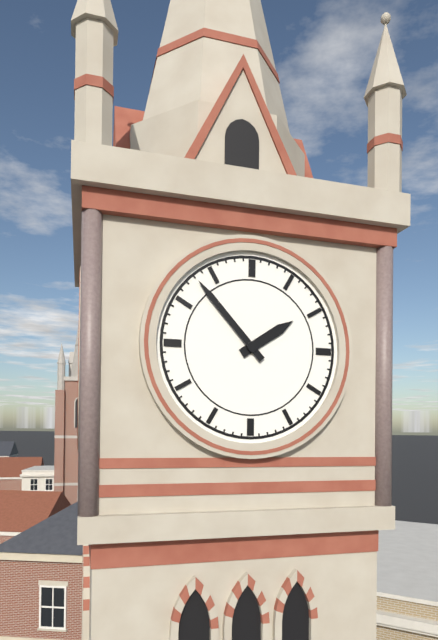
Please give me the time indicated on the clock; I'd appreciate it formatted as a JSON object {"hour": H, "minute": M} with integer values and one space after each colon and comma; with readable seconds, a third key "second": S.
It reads {"hour": 1, "minute": 53}
